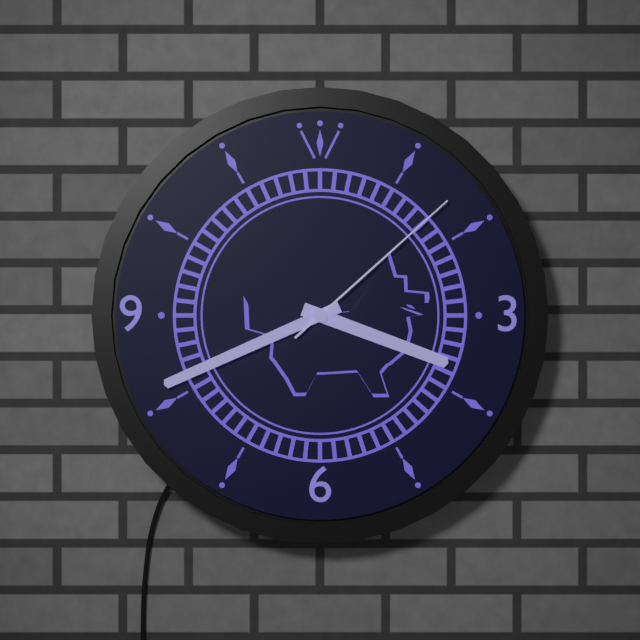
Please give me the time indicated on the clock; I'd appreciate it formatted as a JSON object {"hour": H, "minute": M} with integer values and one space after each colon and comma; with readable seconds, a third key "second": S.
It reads {"hour": 3, "minute": 41, "second": 8}
